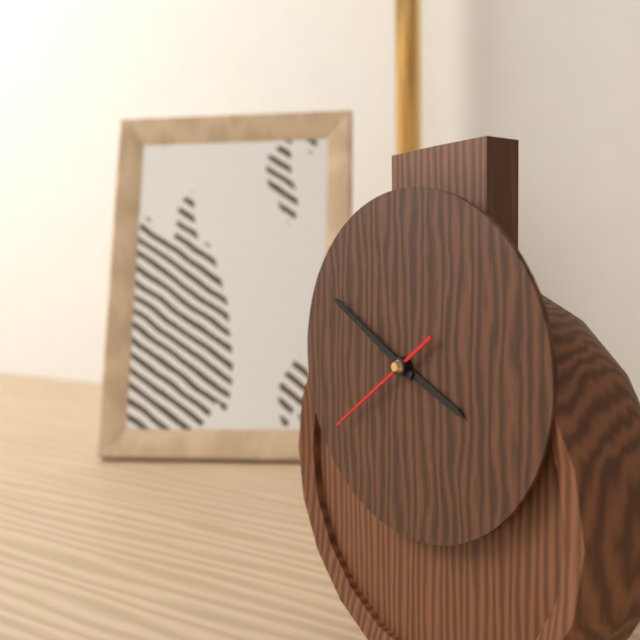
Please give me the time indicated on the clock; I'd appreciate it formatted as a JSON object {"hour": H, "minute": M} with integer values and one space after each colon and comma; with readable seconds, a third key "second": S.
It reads {"hour": 3, "minute": 50, "second": 39}
